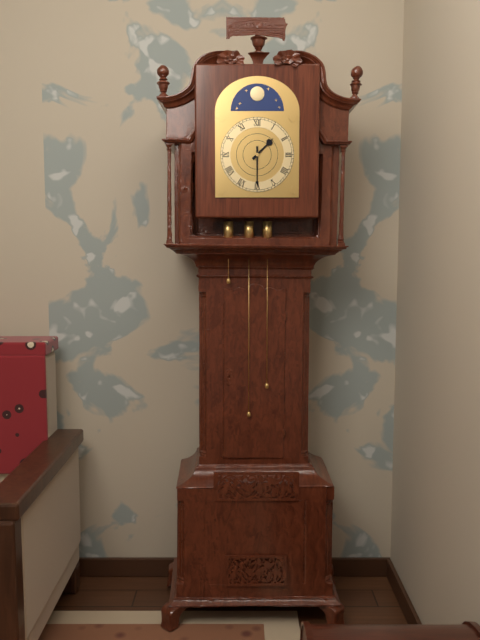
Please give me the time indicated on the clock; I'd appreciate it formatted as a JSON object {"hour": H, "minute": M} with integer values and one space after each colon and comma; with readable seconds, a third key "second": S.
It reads {"hour": 1, "minute": 30}
